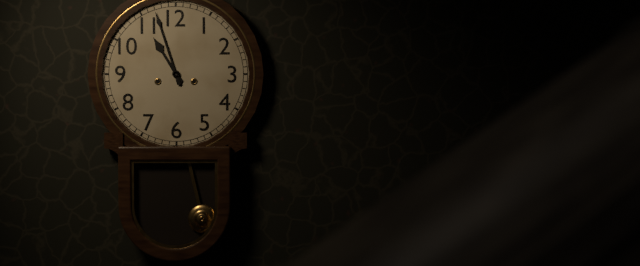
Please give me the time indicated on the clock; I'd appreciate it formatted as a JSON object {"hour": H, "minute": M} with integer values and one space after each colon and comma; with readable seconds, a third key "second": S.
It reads {"hour": 10, "minute": 57}
